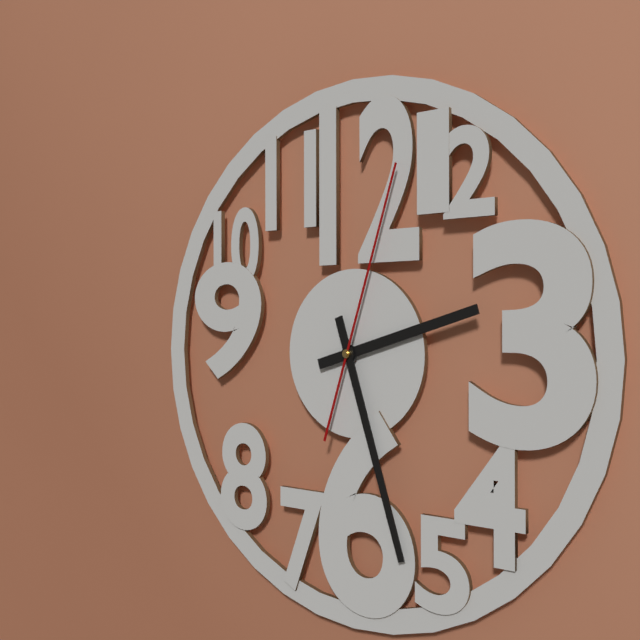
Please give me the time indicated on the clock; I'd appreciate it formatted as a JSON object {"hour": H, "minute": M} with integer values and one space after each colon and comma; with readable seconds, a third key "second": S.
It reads {"hour": 2, "minute": 27, "second": 3}
